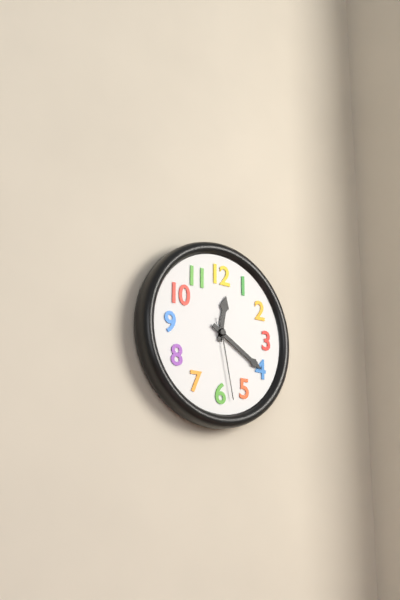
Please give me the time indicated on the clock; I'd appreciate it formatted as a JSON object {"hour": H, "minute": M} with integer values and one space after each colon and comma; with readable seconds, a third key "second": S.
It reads {"hour": 12, "minute": 20, "second": 28}
